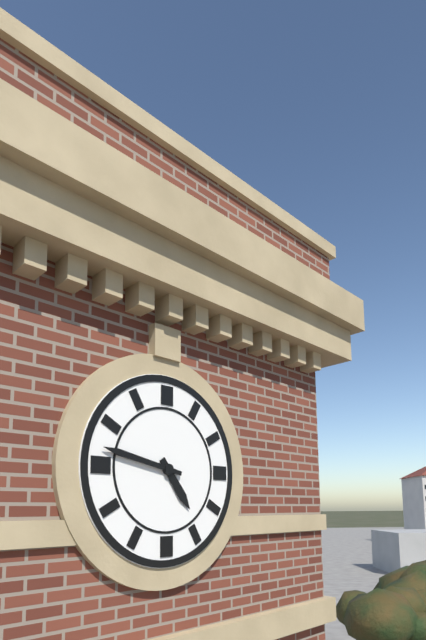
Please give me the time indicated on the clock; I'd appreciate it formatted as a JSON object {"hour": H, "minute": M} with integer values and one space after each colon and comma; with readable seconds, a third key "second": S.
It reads {"hour": 4, "minute": 47}
